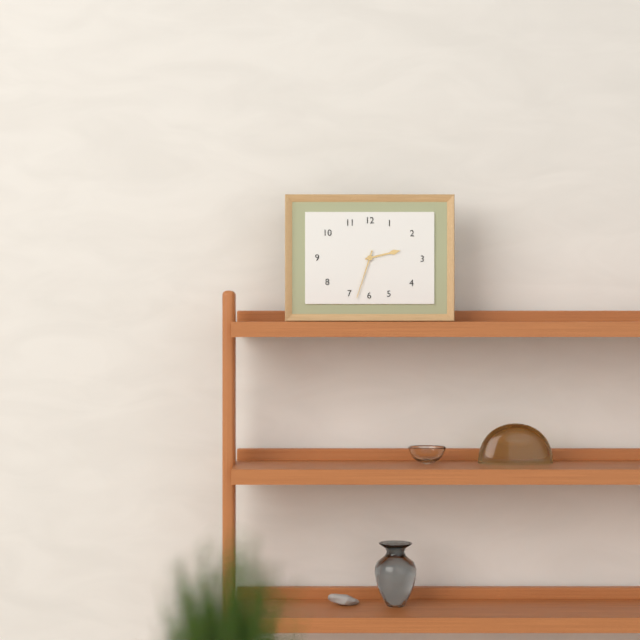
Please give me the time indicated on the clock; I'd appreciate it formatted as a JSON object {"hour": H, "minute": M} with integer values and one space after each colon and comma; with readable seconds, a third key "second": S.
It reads {"hour": 2, "minute": 33}
